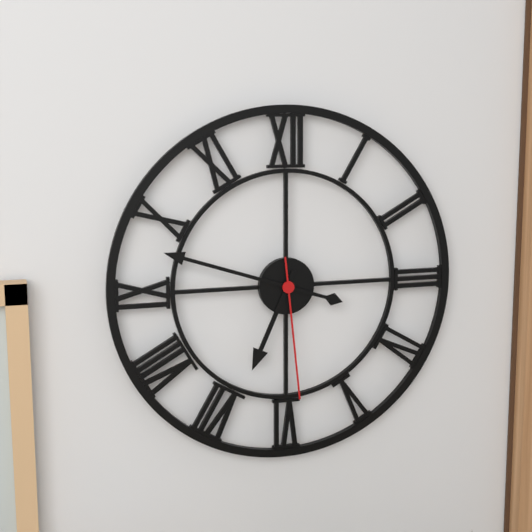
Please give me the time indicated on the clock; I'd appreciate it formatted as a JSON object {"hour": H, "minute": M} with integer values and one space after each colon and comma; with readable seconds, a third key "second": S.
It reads {"hour": 6, "minute": 48, "second": 29}
